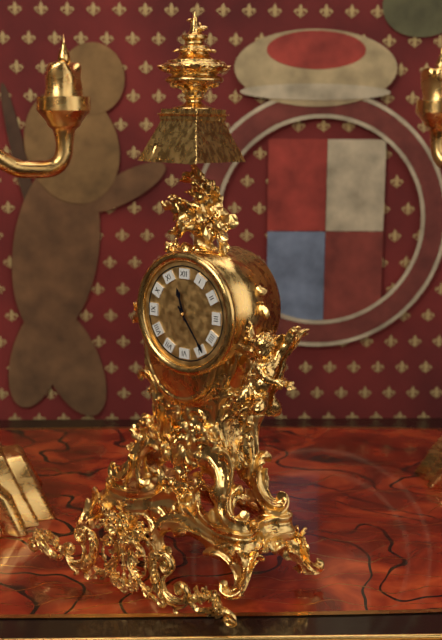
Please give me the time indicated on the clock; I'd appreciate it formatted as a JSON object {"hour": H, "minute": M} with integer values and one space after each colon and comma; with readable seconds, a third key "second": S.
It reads {"hour": 11, "minute": 24}
